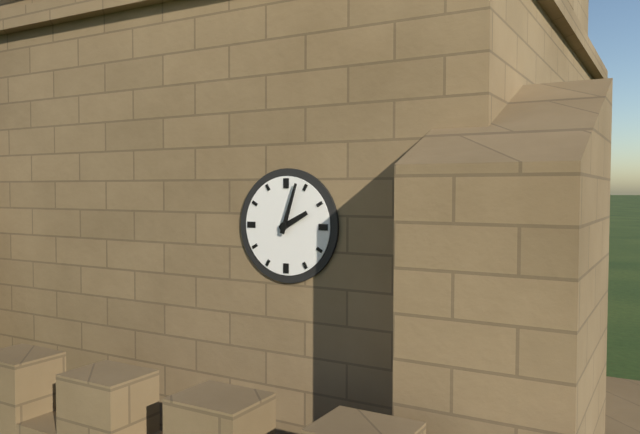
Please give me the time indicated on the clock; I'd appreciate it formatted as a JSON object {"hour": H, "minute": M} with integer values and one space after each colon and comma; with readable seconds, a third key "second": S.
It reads {"hour": 2, "minute": 3}
